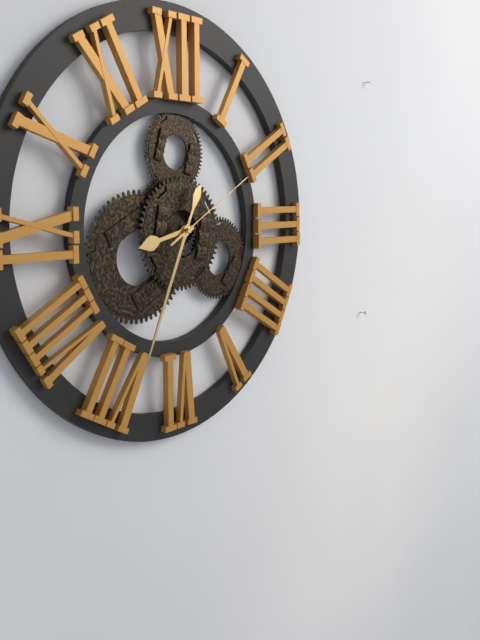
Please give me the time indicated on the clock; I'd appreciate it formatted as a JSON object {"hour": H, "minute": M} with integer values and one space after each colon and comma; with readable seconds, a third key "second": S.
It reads {"hour": 8, "minute": 34, "second": 10}
